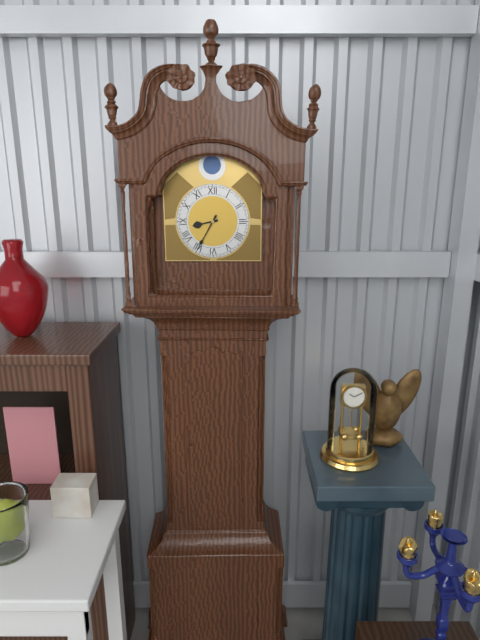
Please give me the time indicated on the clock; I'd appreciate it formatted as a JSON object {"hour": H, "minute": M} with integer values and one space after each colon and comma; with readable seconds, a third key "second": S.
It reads {"hour": 8, "minute": 35}
